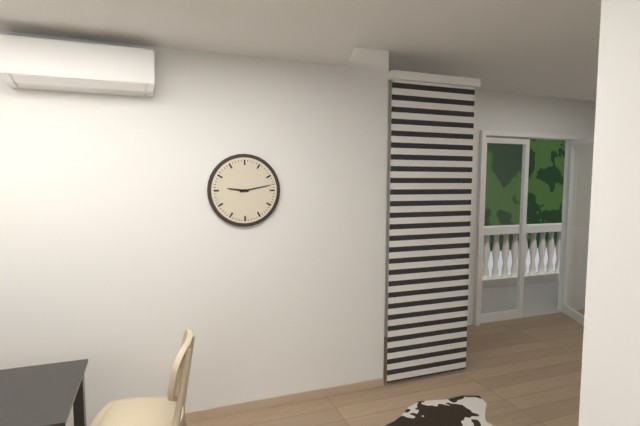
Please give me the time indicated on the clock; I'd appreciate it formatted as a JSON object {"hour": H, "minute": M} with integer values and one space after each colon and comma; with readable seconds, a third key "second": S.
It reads {"hour": 9, "minute": 13}
